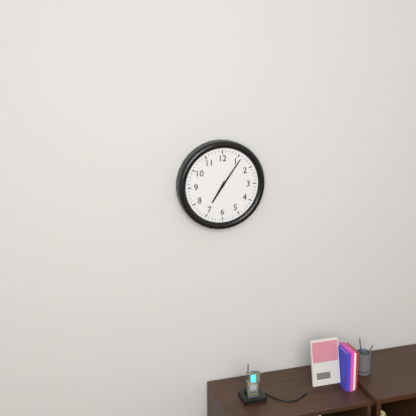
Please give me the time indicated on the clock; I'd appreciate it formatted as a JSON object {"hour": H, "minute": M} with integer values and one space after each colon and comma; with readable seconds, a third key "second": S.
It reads {"hour": 7, "minute": 6}
